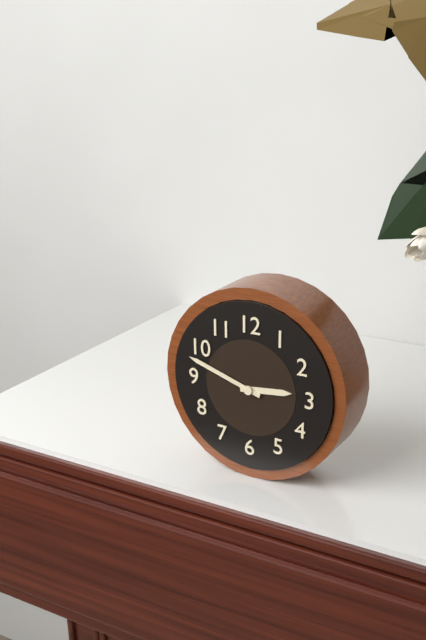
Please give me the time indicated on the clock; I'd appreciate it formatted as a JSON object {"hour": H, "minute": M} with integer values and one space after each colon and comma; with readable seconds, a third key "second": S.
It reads {"hour": 2, "minute": 48}
